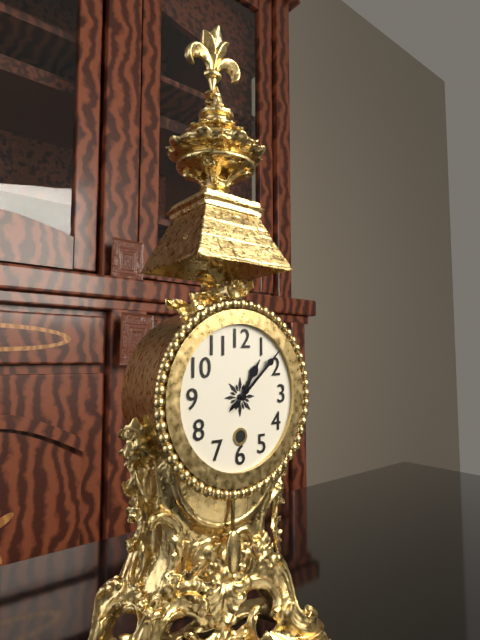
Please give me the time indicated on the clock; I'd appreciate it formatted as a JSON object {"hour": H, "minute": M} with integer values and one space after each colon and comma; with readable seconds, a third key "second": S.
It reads {"hour": 1, "minute": 8}
